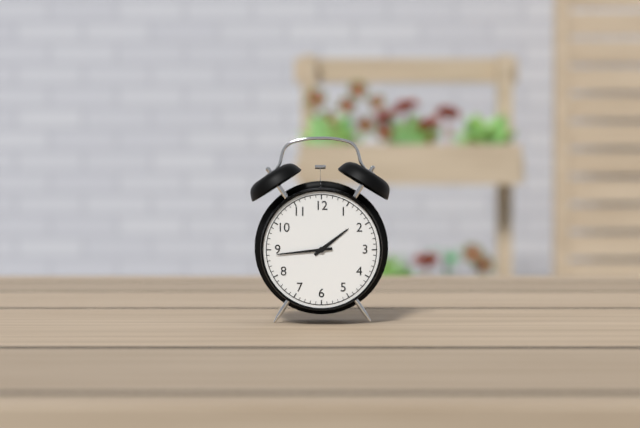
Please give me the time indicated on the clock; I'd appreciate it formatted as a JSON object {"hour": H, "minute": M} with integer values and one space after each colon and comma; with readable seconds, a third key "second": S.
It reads {"hour": 1, "minute": 44}
